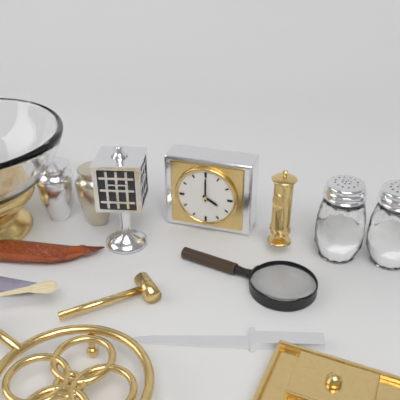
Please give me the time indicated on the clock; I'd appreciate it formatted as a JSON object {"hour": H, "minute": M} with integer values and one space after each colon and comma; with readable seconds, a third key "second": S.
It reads {"hour": 4, "minute": 0}
